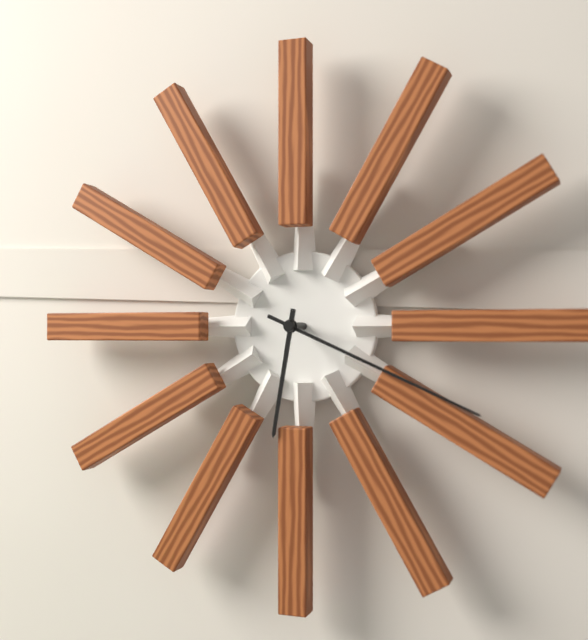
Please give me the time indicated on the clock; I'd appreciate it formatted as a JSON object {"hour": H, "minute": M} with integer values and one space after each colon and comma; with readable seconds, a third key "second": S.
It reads {"hour": 6, "minute": 19}
